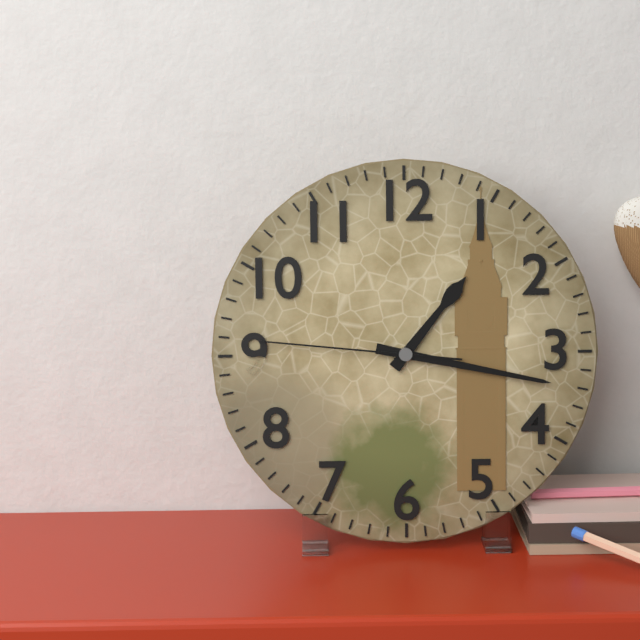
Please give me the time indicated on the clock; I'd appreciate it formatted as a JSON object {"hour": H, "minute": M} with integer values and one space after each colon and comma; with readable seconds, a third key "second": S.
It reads {"hour": 1, "minute": 17, "second": 46}
